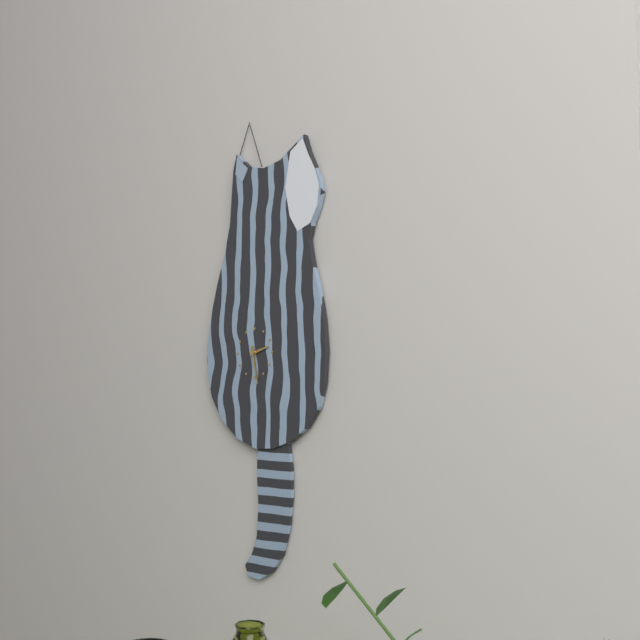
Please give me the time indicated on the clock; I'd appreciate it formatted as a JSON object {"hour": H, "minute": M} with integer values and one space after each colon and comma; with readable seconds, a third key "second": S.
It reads {"hour": 2, "minute": 28}
